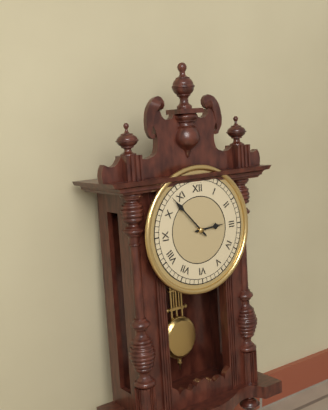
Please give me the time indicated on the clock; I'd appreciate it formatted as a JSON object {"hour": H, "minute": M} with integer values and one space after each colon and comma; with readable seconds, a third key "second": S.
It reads {"hour": 2, "minute": 53}
